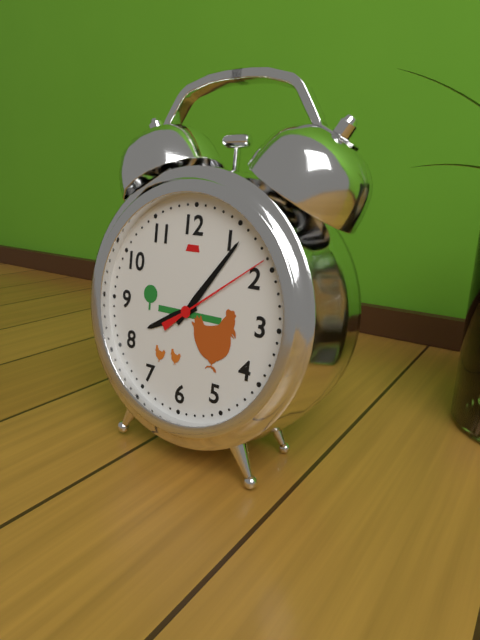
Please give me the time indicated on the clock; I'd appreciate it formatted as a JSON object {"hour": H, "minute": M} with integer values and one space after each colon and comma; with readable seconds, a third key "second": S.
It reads {"hour": 8, "minute": 6, "second": 9}
